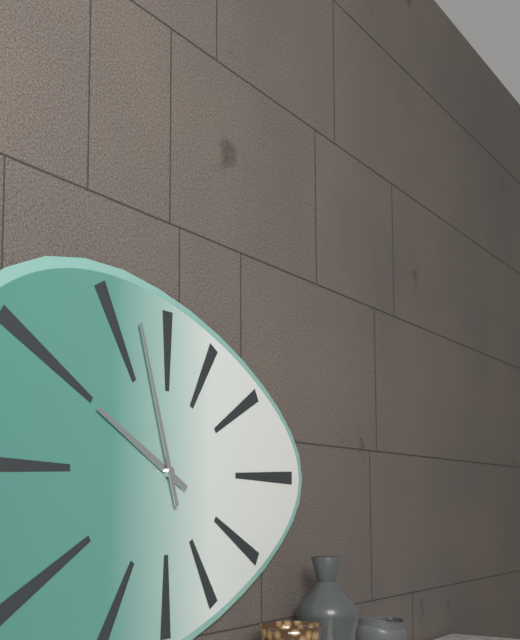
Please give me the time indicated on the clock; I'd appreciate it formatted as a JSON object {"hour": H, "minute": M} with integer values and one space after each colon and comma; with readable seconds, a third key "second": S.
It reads {"hour": 9, "minute": 57}
